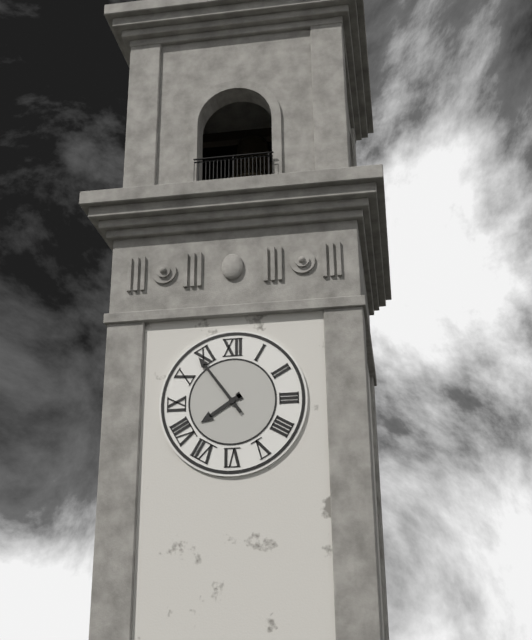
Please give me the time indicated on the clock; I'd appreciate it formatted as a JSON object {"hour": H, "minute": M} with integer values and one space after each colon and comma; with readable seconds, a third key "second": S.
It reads {"hour": 7, "minute": 54}
